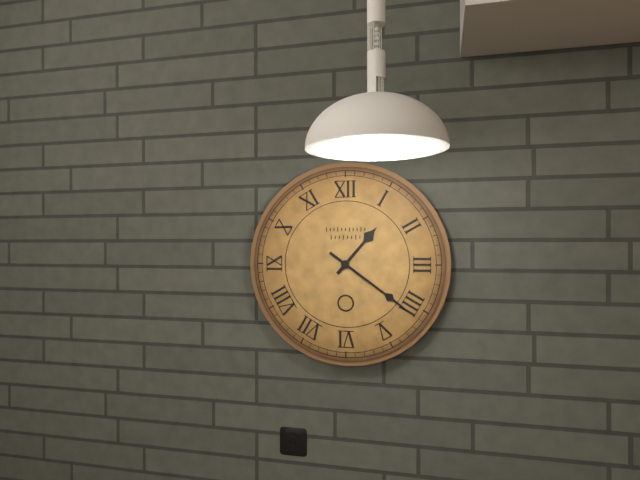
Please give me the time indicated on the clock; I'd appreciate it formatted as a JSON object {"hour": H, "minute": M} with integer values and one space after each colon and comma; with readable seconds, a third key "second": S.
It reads {"hour": 1, "minute": 21}
